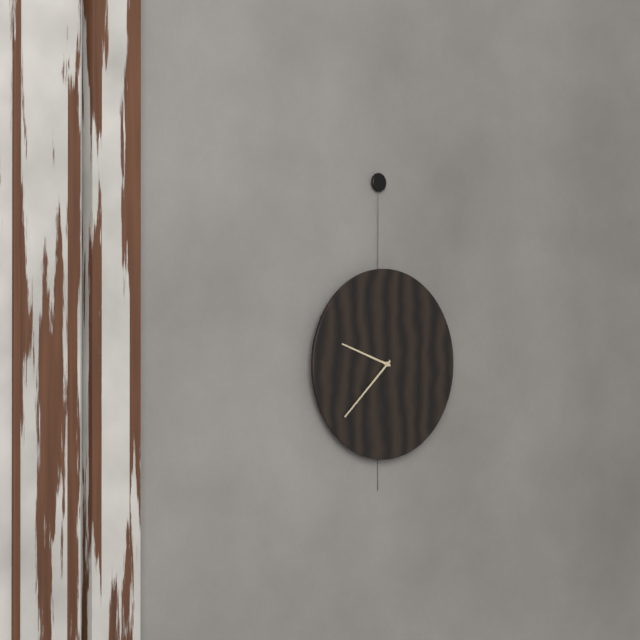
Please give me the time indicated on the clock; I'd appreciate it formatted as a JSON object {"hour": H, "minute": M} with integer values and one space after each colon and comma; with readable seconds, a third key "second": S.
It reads {"hour": 9, "minute": 38}
